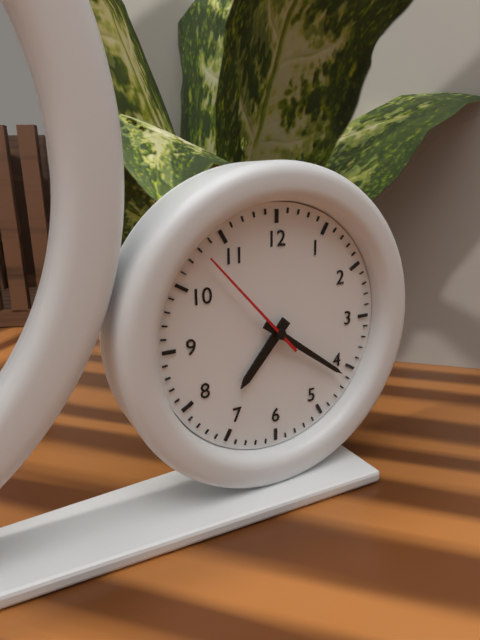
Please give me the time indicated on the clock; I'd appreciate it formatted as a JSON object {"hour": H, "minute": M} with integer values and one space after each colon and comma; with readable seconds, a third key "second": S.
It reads {"hour": 7, "minute": 21, "second": 53}
